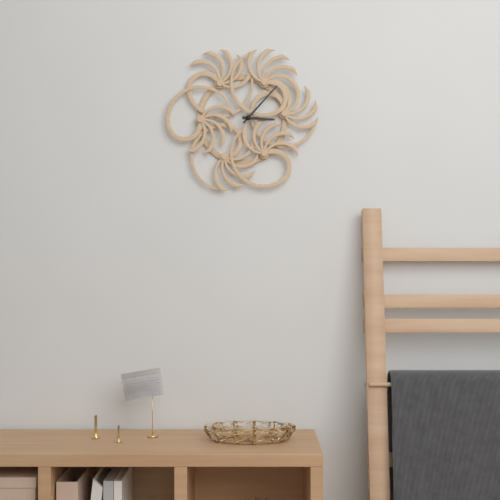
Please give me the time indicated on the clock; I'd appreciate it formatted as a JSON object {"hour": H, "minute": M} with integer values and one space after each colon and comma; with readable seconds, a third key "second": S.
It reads {"hour": 3, "minute": 7}
